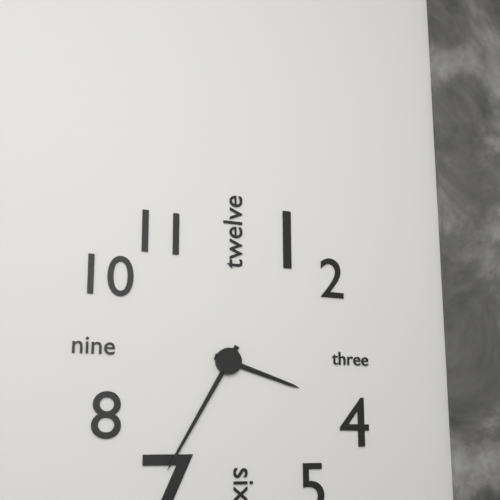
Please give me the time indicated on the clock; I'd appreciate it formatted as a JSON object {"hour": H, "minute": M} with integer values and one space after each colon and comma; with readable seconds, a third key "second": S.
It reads {"hour": 3, "minute": 35}
